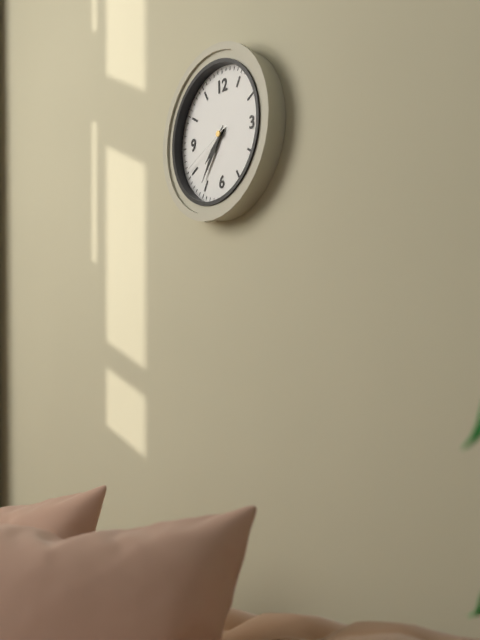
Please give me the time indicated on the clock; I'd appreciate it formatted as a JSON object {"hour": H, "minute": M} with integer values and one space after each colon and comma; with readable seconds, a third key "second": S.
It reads {"hour": 7, "minute": 36, "second": 41}
